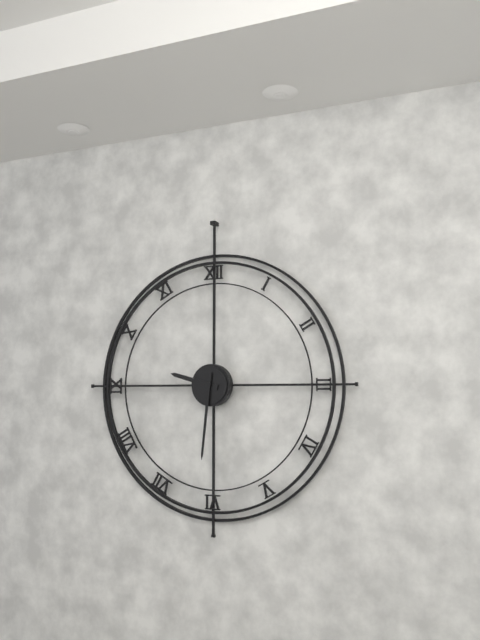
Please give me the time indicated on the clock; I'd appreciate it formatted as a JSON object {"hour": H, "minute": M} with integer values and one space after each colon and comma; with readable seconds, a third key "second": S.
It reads {"hour": 9, "minute": 31}
